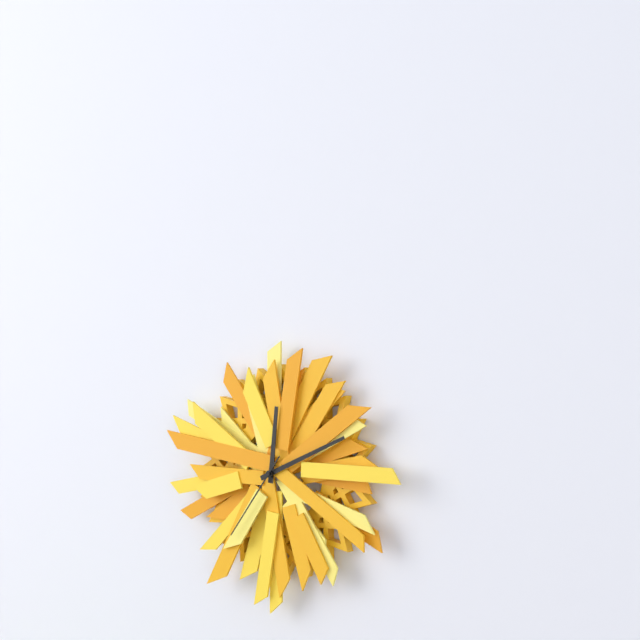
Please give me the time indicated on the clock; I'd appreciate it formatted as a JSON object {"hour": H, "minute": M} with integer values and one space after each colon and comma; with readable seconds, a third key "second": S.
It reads {"hour": 12, "minute": 11, "second": 36}
